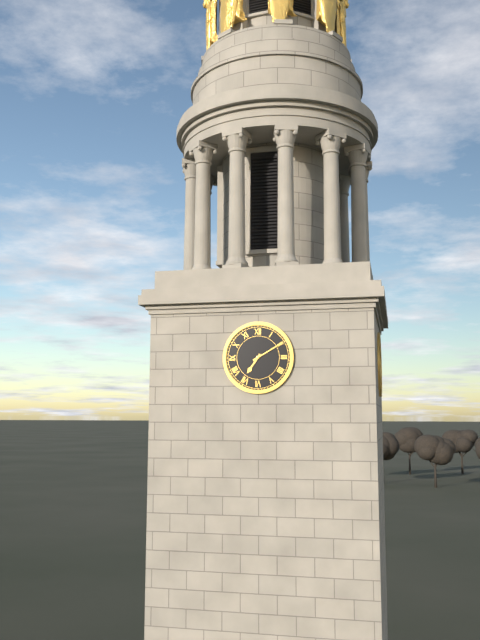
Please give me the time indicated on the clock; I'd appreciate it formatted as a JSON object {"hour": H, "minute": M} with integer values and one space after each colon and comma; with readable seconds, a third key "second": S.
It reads {"hour": 7, "minute": 10}
